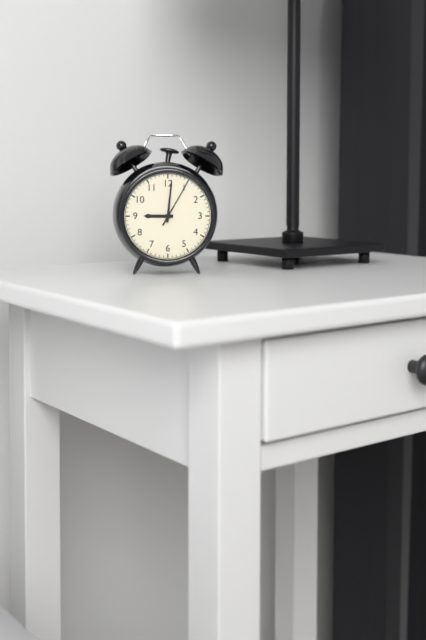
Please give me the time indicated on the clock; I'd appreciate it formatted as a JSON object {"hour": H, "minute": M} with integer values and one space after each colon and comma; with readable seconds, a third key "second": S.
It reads {"hour": 9, "minute": 1}
